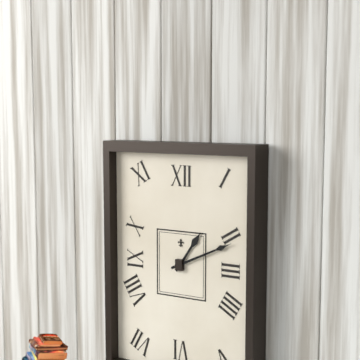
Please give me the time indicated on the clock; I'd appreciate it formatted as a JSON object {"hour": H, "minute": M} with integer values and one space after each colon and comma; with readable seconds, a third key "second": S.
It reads {"hour": 1, "minute": 11}
